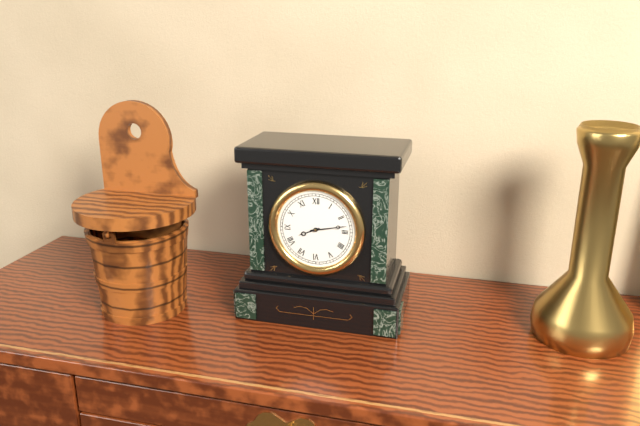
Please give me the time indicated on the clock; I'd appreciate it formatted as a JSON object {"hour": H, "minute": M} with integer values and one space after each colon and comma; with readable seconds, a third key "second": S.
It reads {"hour": 8, "minute": 13}
